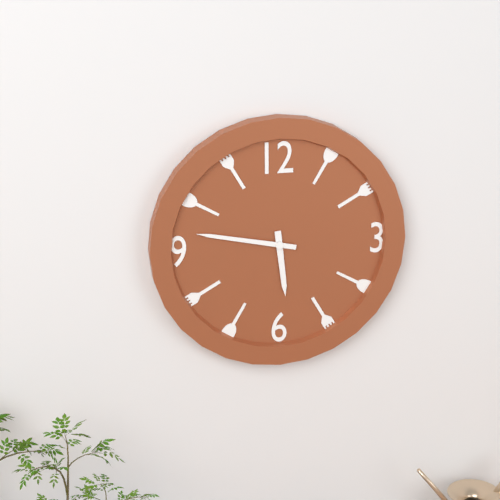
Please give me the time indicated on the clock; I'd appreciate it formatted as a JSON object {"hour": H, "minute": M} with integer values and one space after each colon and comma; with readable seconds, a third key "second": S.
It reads {"hour": 5, "minute": 47}
